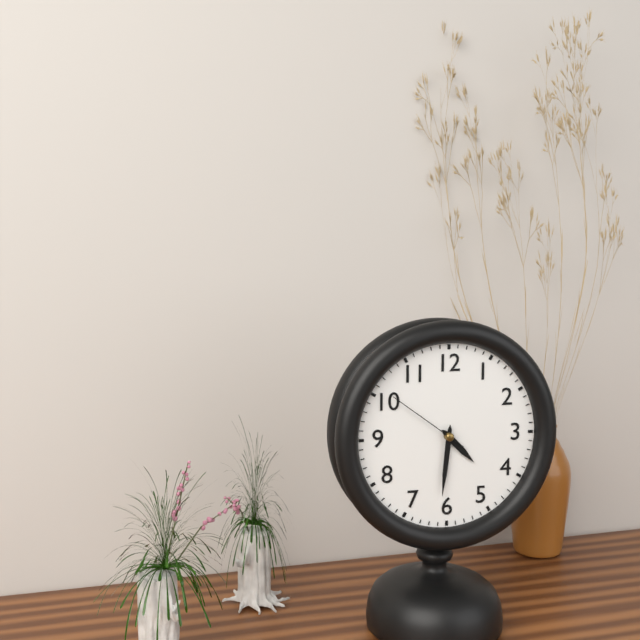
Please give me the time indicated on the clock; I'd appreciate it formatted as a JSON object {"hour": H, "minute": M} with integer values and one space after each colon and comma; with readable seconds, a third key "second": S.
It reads {"hour": 4, "minute": 31, "second": 51}
